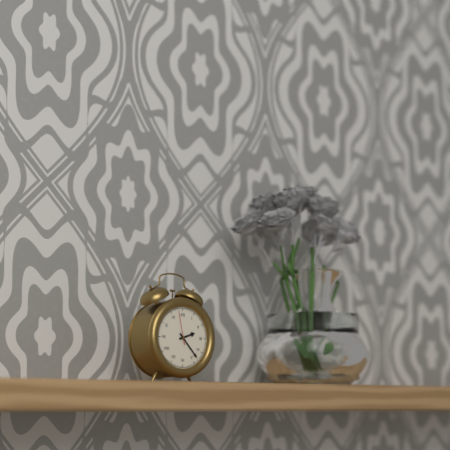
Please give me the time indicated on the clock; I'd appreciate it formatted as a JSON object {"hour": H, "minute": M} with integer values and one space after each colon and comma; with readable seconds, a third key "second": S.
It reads {"hour": 2, "minute": 23}
